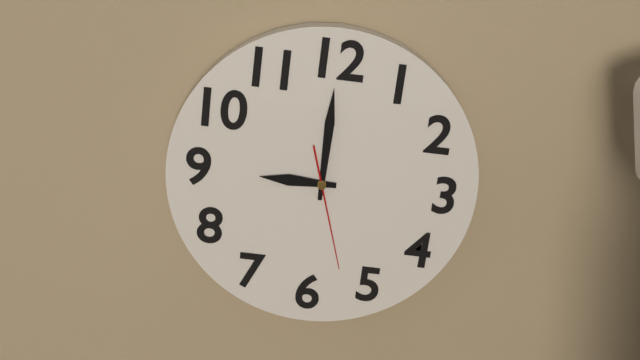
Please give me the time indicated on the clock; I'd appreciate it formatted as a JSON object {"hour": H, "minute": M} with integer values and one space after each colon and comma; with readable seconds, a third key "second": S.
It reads {"hour": 9, "minute": 0, "second": 27}
